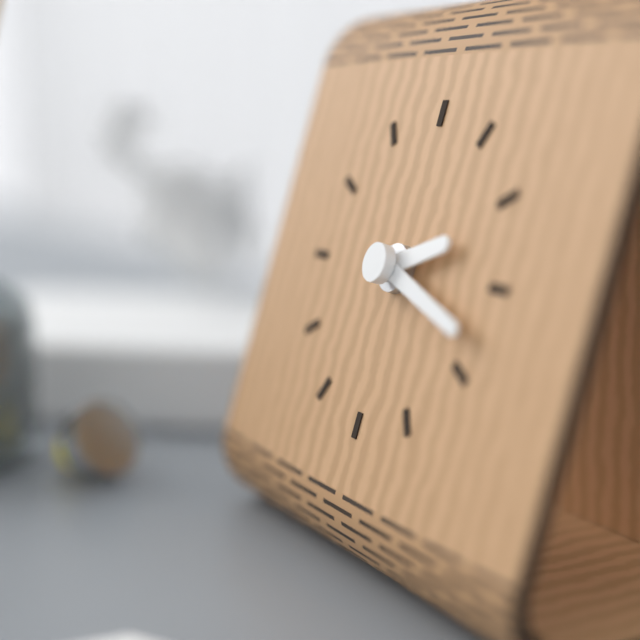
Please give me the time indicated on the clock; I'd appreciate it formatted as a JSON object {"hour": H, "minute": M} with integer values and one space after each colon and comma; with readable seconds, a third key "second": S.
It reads {"hour": 2, "minute": 18}
